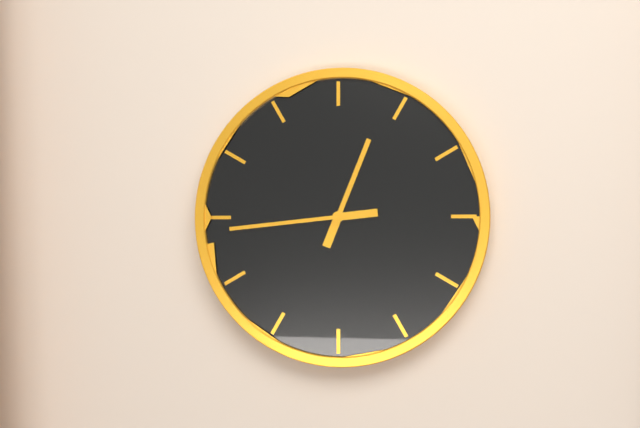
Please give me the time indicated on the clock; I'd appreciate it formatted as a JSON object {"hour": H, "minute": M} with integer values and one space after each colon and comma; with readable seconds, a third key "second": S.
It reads {"hour": 12, "minute": 44}
